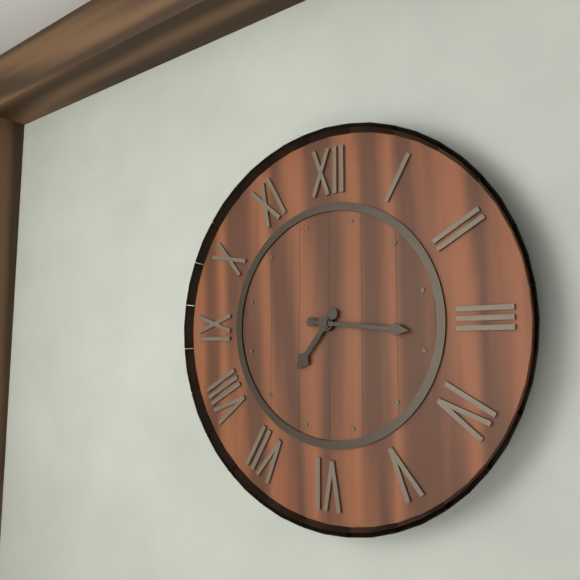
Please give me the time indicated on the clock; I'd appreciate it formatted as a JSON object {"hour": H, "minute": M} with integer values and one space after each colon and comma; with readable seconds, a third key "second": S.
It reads {"hour": 7, "minute": 16}
